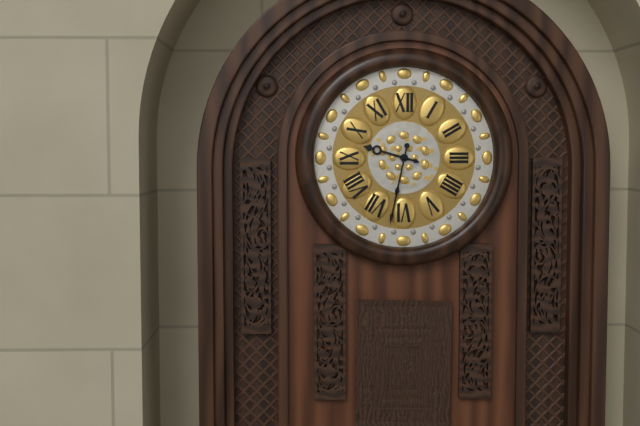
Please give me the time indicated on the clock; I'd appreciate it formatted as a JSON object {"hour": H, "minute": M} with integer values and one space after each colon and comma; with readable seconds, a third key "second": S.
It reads {"hour": 9, "minute": 32}
